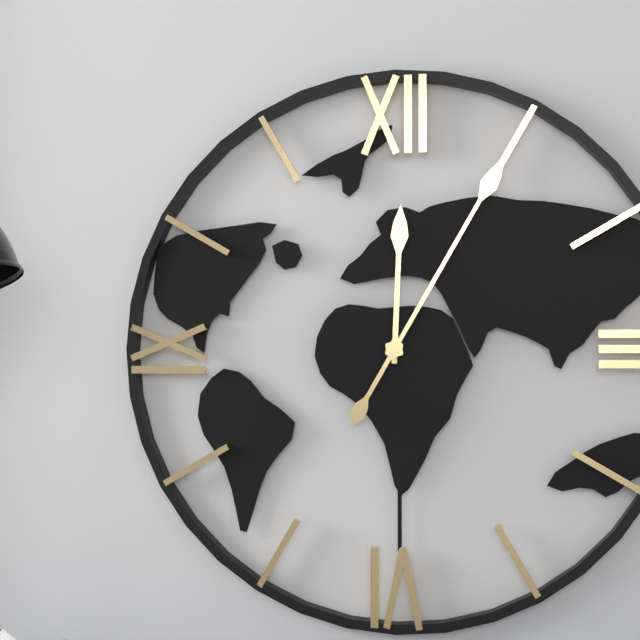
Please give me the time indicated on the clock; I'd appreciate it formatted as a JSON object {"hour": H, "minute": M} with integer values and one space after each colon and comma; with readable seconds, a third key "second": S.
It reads {"hour": 12, "minute": 5}
